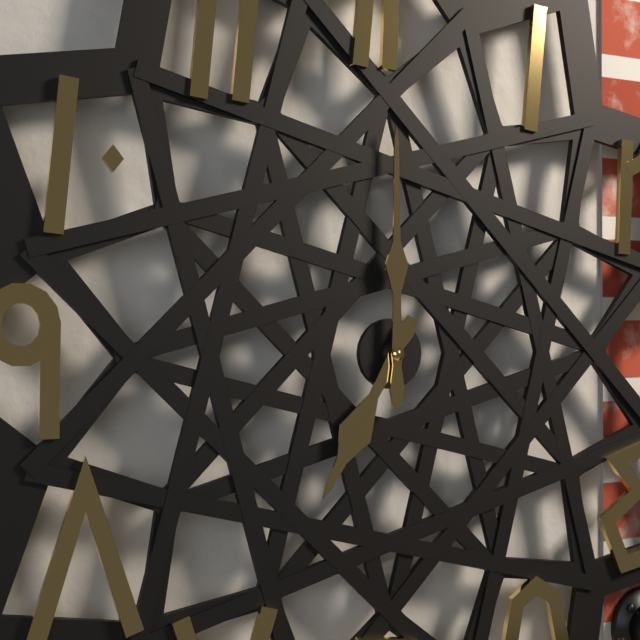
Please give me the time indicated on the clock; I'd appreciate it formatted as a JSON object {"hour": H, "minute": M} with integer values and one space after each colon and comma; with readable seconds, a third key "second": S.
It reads {"hour": 7, "minute": 0}
